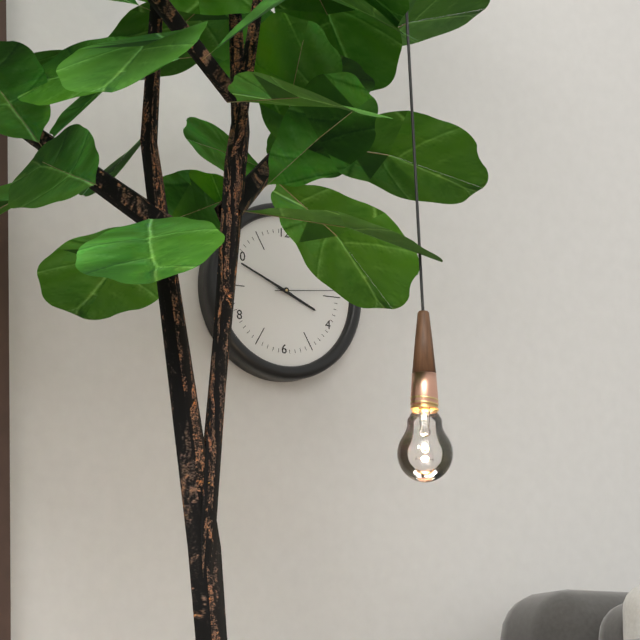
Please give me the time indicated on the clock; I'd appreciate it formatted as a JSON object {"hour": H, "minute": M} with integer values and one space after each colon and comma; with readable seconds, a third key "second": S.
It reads {"hour": 3, "minute": 49, "second": 14}
